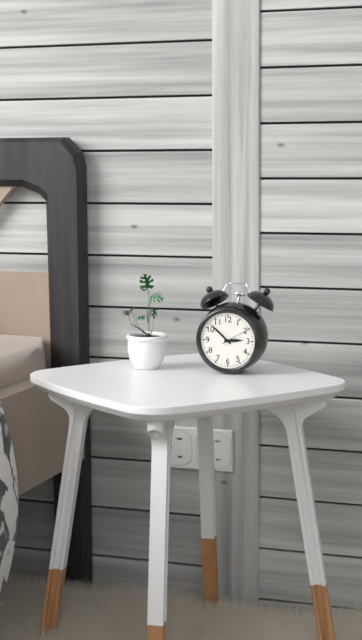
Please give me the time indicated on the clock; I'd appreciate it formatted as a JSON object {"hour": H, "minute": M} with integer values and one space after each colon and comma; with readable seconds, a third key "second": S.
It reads {"hour": 2, "minute": 52}
